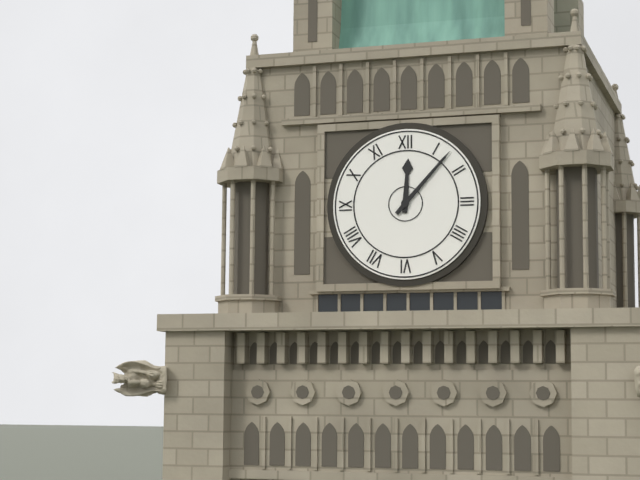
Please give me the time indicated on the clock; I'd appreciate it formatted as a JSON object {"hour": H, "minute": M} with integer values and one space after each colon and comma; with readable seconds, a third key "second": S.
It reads {"hour": 12, "minute": 7}
